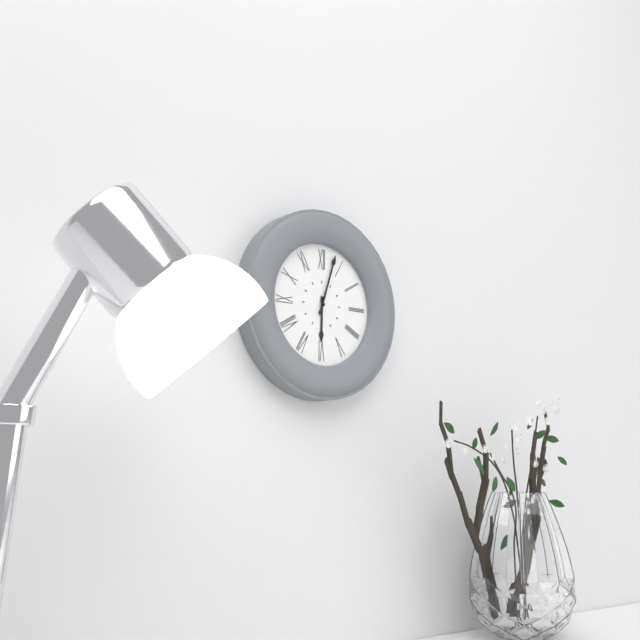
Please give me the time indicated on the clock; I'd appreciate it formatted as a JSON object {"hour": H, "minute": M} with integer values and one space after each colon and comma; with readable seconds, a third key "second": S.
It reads {"hour": 6, "minute": 3}
